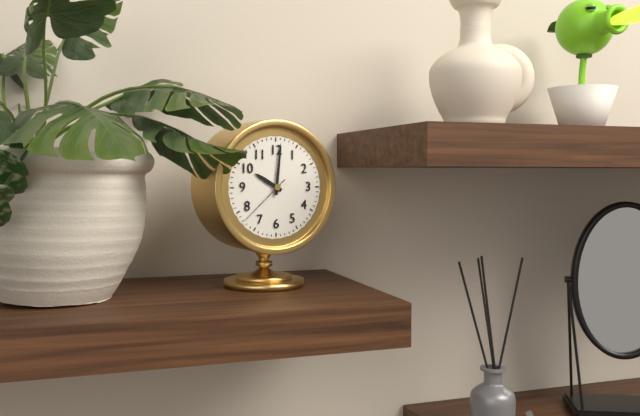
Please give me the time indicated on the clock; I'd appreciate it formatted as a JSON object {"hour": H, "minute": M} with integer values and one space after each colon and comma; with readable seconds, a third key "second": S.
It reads {"hour": 10, "minute": 1, "second": 38}
